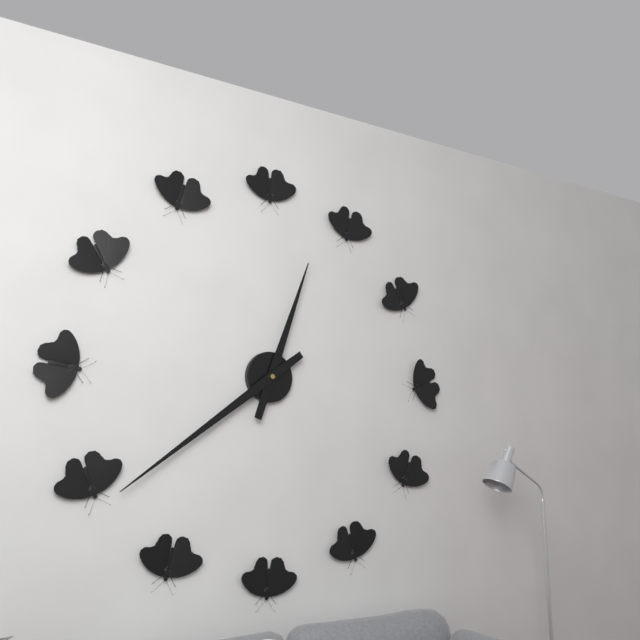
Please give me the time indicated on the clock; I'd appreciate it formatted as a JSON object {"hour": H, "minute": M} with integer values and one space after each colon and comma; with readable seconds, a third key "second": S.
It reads {"hour": 12, "minute": 39}
